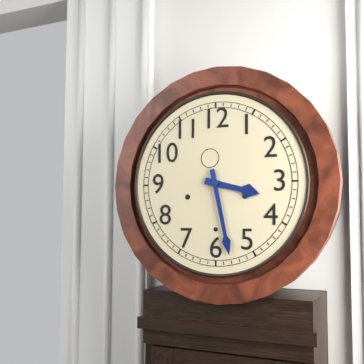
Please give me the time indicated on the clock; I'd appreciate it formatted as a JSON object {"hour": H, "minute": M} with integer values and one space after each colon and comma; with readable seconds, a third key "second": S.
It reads {"hour": 3, "minute": 28}
